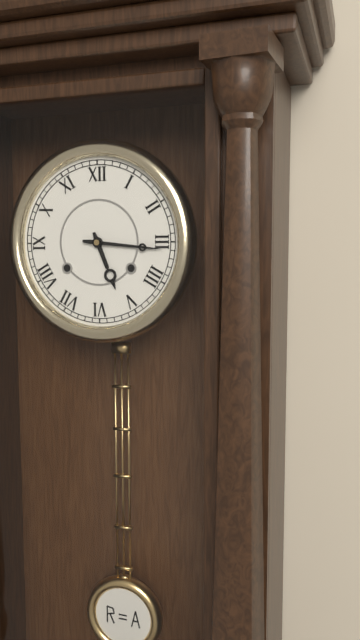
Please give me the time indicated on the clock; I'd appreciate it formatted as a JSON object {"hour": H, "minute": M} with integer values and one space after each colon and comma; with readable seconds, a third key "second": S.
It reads {"hour": 5, "minute": 16}
